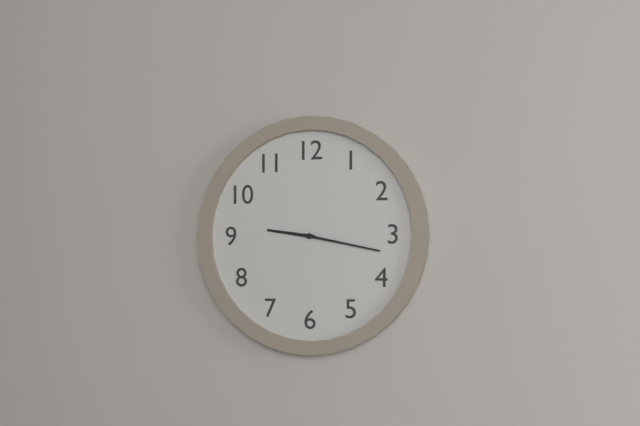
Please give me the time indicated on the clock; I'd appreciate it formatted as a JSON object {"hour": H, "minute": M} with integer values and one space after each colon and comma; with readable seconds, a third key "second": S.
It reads {"hour": 9, "minute": 17}
